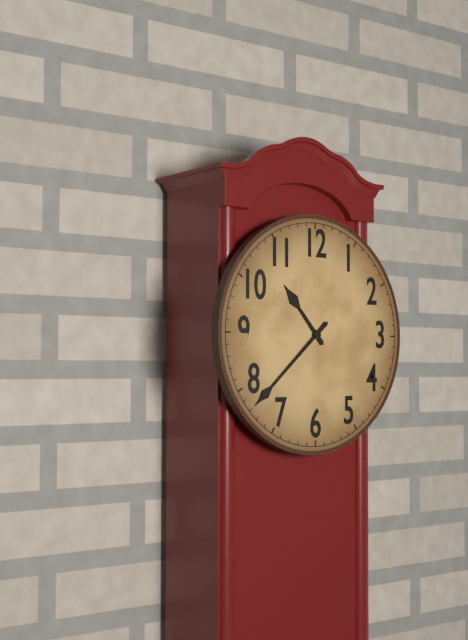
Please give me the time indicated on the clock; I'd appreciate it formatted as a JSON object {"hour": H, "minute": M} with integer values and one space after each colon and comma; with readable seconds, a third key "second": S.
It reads {"hour": 10, "minute": 38}
